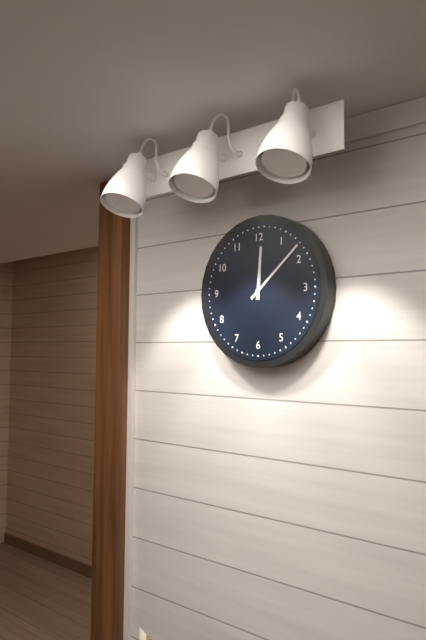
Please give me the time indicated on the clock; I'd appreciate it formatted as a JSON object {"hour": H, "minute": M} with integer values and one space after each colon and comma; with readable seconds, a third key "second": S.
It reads {"hour": 12, "minute": 8}
